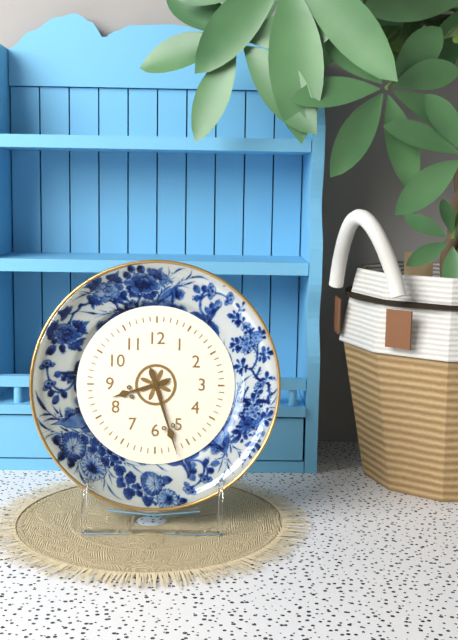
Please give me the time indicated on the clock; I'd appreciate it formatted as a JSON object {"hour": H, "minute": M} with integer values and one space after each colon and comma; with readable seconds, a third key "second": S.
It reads {"hour": 8, "minute": 27}
